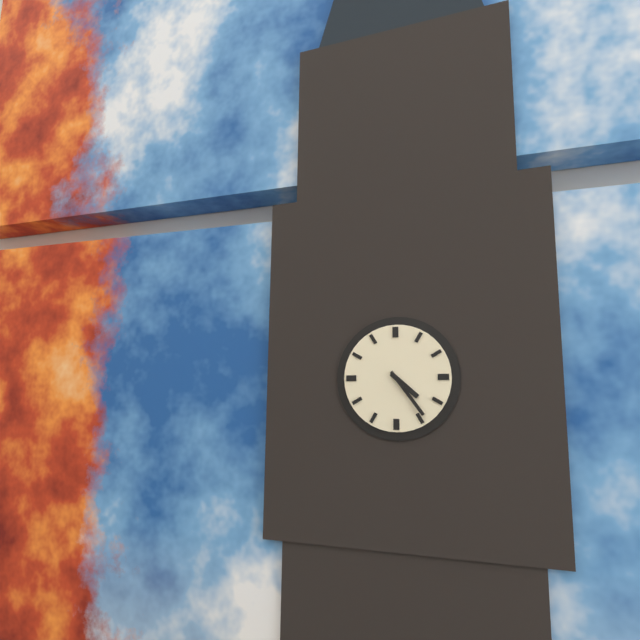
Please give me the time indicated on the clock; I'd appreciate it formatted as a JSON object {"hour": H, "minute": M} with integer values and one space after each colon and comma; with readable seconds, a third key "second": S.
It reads {"hour": 4, "minute": 24}
